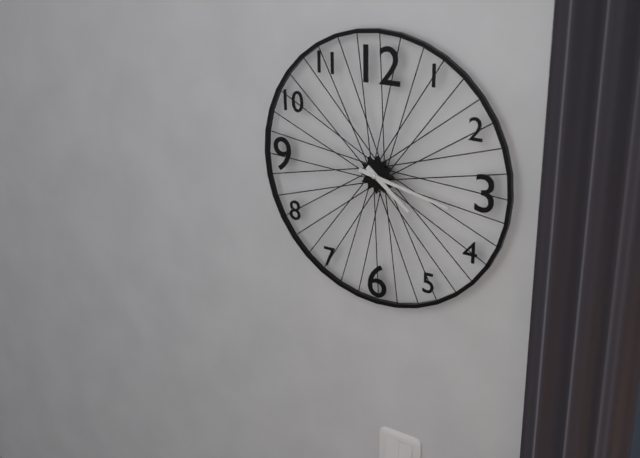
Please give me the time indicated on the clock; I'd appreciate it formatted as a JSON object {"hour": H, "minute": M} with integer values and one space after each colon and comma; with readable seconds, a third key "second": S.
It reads {"hour": 4, "minute": 17}
